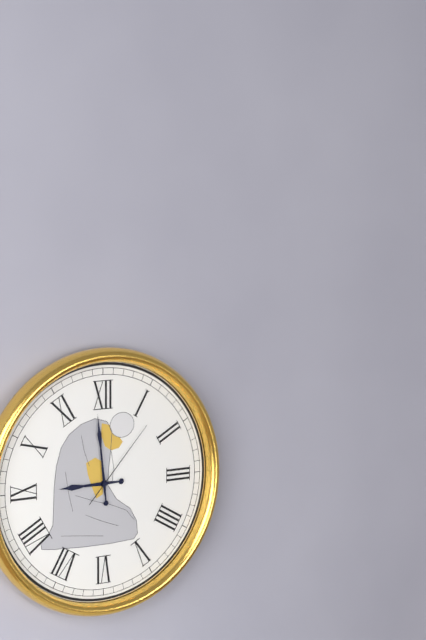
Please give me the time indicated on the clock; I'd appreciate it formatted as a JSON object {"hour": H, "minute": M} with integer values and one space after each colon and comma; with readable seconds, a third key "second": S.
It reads {"hour": 8, "minute": 59, "second": 7}
